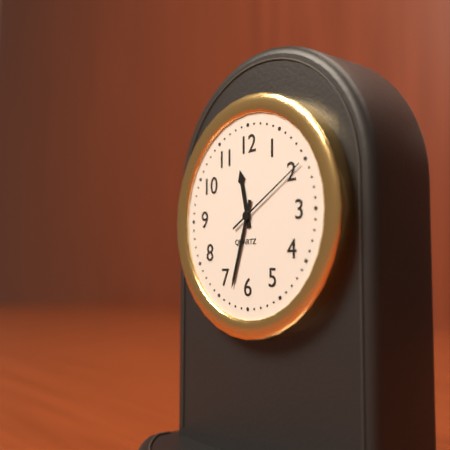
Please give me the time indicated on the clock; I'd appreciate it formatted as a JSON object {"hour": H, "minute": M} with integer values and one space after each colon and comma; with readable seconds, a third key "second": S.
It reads {"hour": 11, "minute": 33, "second": 10}
